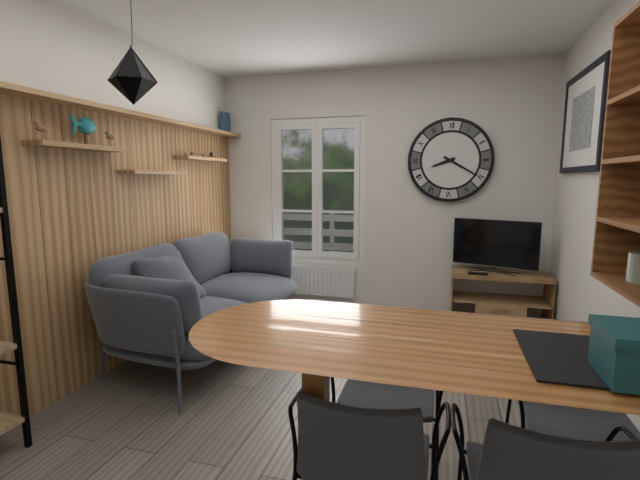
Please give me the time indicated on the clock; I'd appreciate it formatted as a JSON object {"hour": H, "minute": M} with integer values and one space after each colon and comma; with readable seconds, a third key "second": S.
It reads {"hour": 8, "minute": 20}
